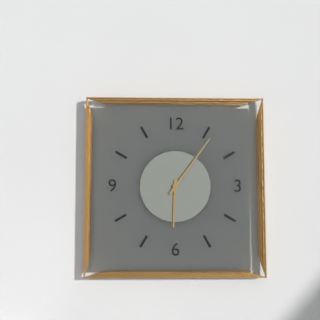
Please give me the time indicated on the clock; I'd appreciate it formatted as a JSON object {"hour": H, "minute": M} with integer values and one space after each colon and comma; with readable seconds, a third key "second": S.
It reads {"hour": 6, "minute": 6}
